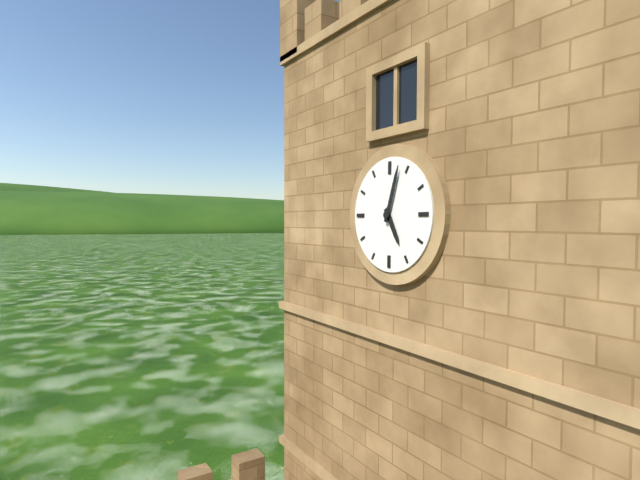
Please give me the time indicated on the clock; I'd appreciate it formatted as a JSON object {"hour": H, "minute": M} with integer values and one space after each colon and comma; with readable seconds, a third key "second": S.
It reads {"hour": 5, "minute": 3}
